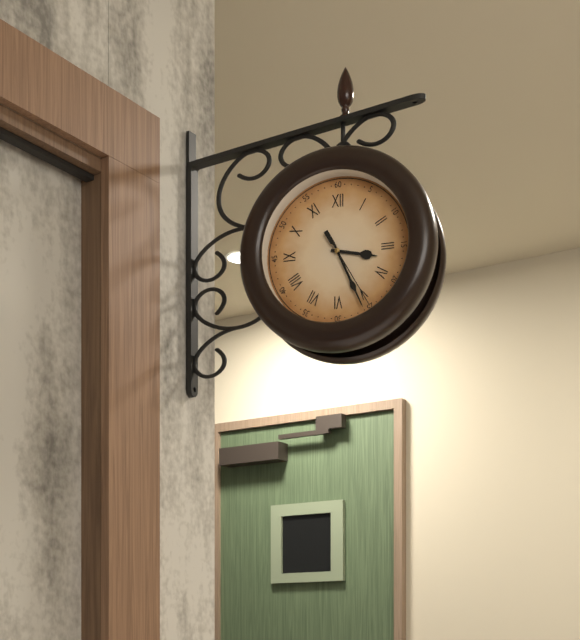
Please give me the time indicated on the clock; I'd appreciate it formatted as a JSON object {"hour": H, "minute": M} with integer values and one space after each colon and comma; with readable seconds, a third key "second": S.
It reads {"hour": 3, "minute": 26, "second": 25}
